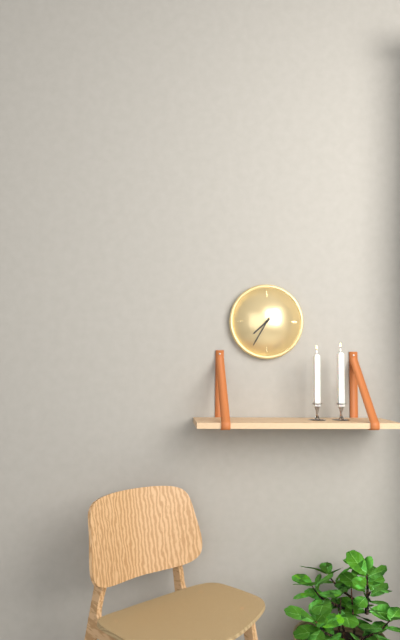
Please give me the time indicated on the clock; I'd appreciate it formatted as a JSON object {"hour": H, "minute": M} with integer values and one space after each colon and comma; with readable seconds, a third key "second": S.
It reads {"hour": 7, "minute": 35}
